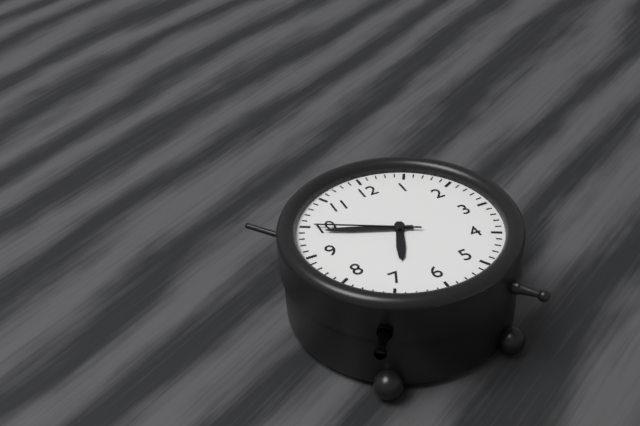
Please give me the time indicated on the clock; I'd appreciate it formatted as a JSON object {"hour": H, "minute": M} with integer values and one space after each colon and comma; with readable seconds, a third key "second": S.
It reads {"hour": 6, "minute": 49, "second": 50}
